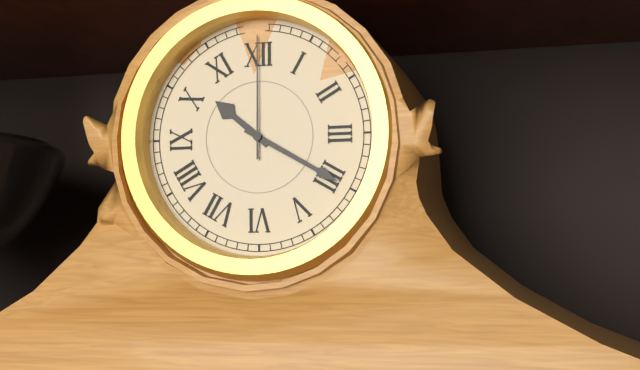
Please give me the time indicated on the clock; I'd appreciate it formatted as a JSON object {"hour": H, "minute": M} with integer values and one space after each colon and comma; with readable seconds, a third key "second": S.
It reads {"hour": 10, "minute": 20, "second": 0}
